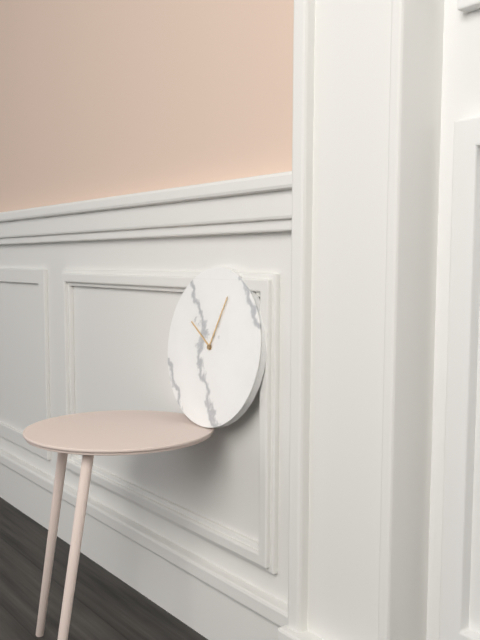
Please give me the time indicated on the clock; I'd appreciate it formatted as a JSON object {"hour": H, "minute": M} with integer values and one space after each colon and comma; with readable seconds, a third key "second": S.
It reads {"hour": 10, "minute": 4}
